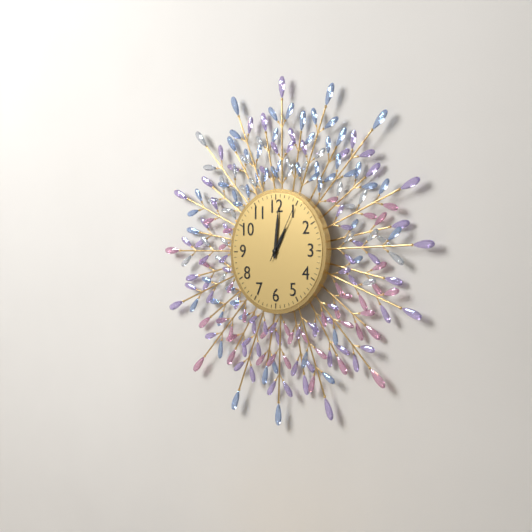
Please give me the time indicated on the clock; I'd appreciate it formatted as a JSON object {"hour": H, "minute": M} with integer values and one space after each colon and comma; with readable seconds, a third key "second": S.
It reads {"hour": 1, "minute": 1, "second": 5}
